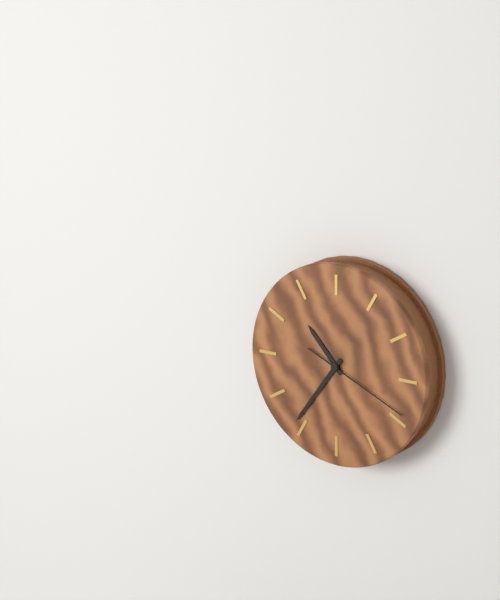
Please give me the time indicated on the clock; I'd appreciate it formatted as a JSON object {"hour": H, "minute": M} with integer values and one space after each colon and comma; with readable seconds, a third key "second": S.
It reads {"hour": 10, "minute": 36, "second": 19}
